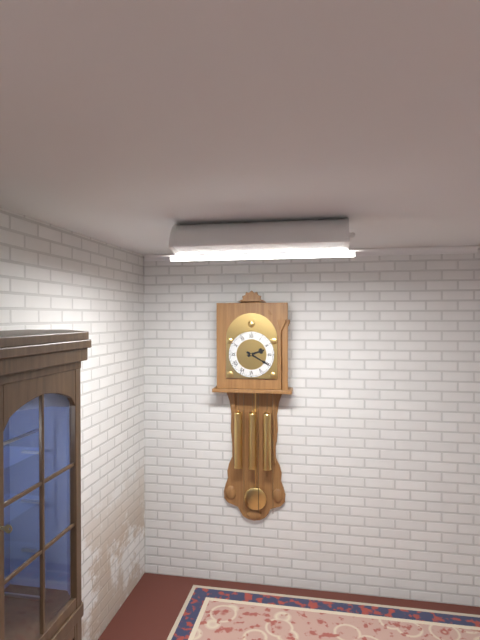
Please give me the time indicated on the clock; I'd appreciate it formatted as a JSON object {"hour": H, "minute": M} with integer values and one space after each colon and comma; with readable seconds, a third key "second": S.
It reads {"hour": 2, "minute": 20}
